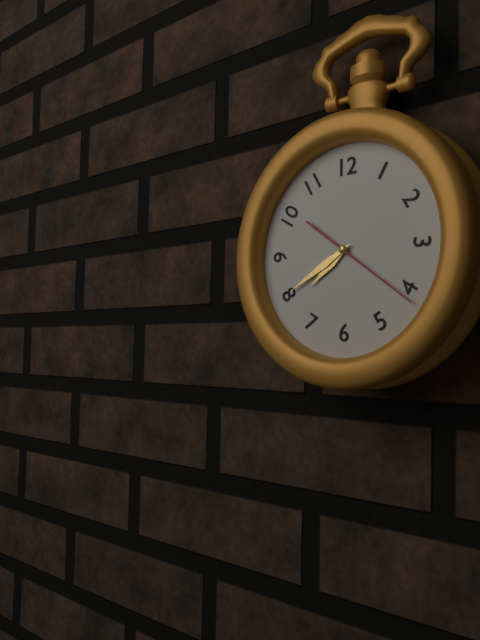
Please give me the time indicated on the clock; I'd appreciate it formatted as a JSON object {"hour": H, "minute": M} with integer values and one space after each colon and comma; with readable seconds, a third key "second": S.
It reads {"hour": 7, "minute": 40, "second": 21}
